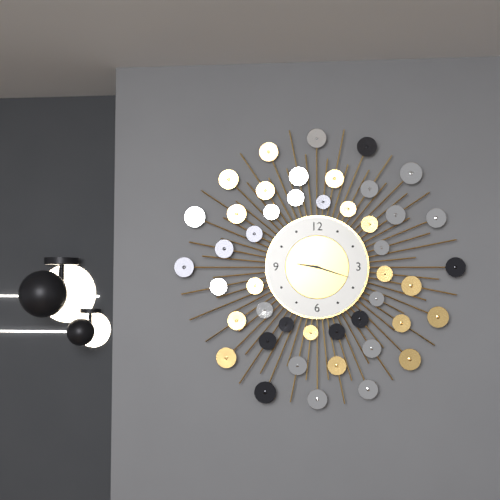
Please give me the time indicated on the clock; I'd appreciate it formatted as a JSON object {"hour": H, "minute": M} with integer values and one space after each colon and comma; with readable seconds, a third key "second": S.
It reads {"hour": 9, "minute": 18}
